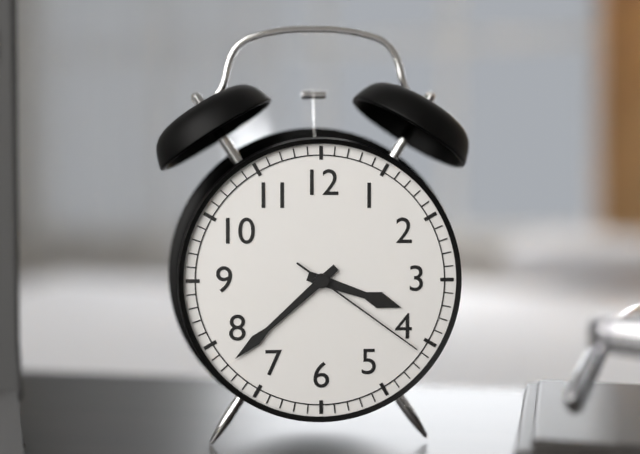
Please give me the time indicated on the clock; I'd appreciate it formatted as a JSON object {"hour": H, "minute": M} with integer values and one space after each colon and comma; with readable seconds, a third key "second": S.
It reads {"hour": 3, "minute": 38, "second": 21}
